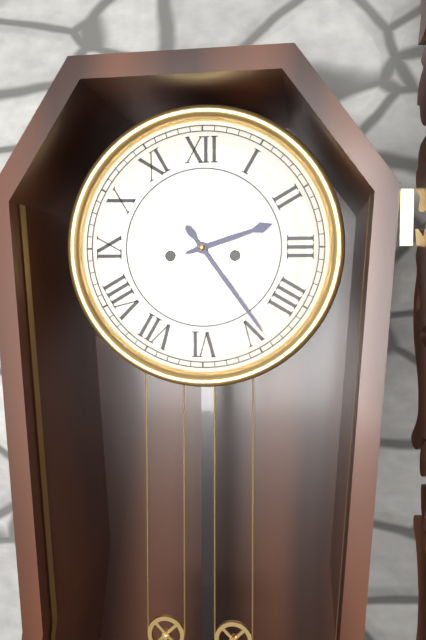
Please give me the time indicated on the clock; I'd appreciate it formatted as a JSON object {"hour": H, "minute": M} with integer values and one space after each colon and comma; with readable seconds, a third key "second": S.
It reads {"hour": 2, "minute": 24}
